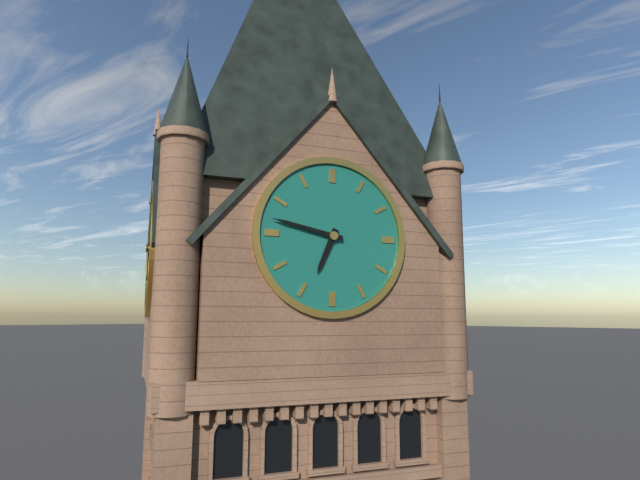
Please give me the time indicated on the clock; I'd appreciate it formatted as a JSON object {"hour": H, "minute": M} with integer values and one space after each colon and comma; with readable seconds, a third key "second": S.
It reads {"hour": 6, "minute": 47}
